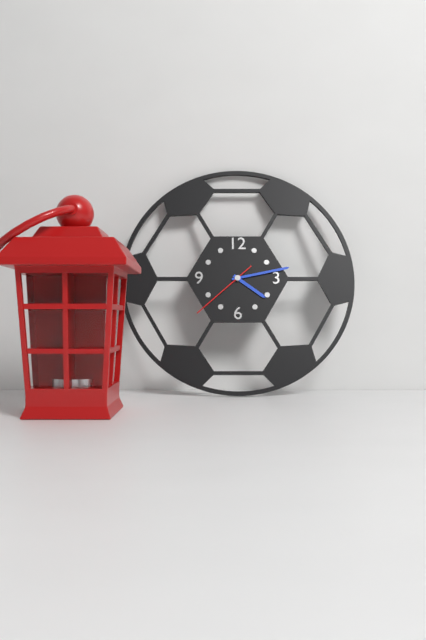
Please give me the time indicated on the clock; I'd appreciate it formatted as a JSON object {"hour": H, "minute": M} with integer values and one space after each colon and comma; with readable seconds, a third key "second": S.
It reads {"hour": 4, "minute": 13, "second": 38}
